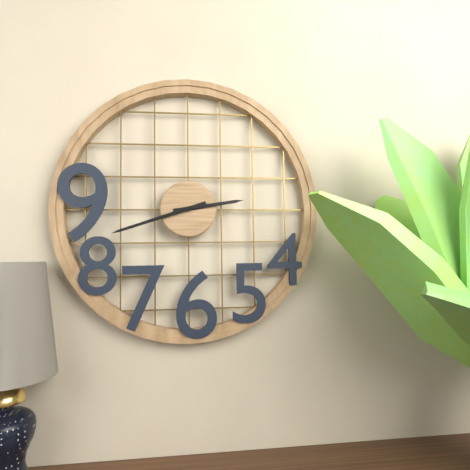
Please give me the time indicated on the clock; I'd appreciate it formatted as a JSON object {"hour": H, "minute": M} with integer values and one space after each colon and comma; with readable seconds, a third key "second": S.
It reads {"hour": 2, "minute": 42}
